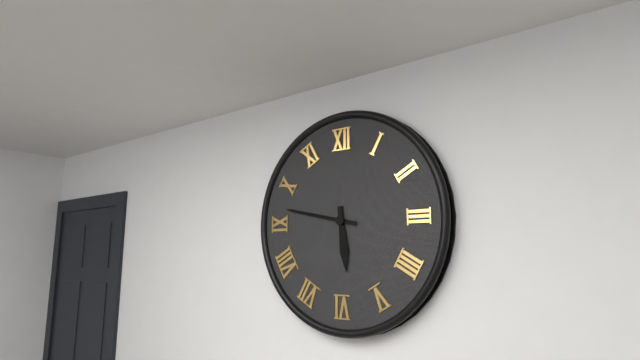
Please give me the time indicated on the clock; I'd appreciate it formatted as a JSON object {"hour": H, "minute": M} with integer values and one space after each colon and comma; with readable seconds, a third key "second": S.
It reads {"hour": 5, "minute": 47}
